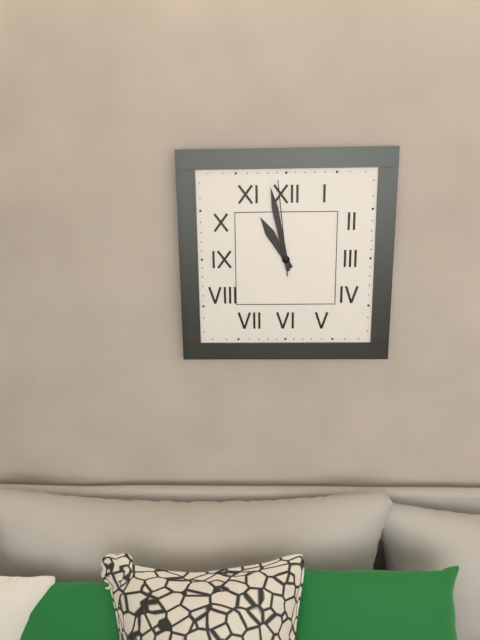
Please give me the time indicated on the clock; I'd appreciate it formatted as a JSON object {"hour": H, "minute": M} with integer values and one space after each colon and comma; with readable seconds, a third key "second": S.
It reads {"hour": 10, "minute": 58, "second": 59}
